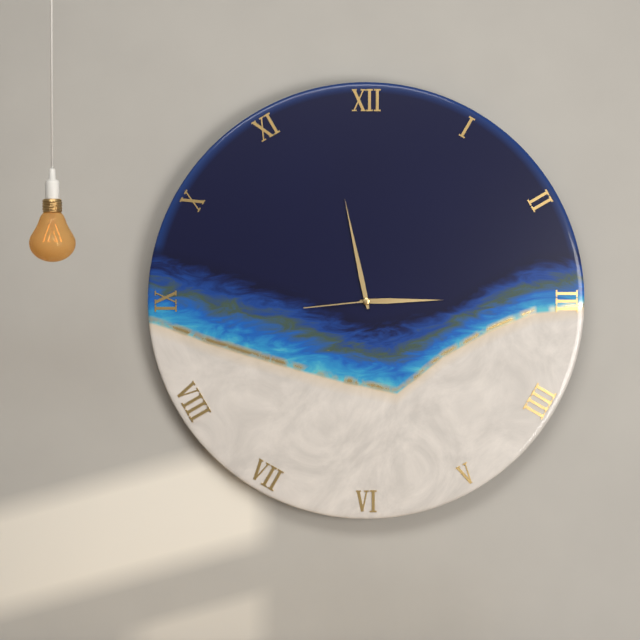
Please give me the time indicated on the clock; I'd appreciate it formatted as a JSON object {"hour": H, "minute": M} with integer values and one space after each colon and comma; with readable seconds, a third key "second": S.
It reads {"hour": 2, "minute": 58, "second": 44}
